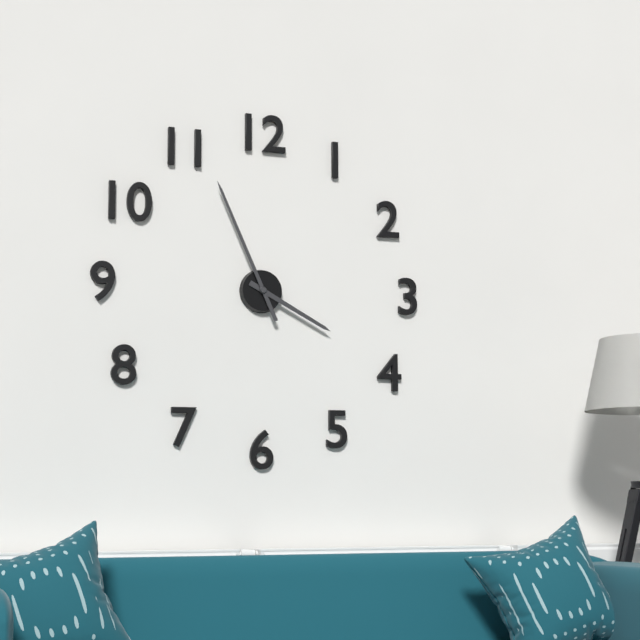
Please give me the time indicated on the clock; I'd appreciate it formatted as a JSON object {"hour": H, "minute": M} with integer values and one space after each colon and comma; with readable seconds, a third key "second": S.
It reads {"hour": 3, "minute": 56}
